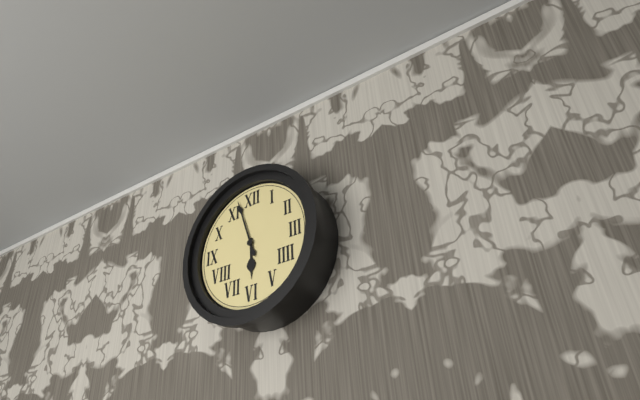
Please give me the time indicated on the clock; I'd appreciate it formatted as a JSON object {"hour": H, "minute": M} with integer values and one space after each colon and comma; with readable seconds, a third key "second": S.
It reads {"hour": 5, "minute": 57}
